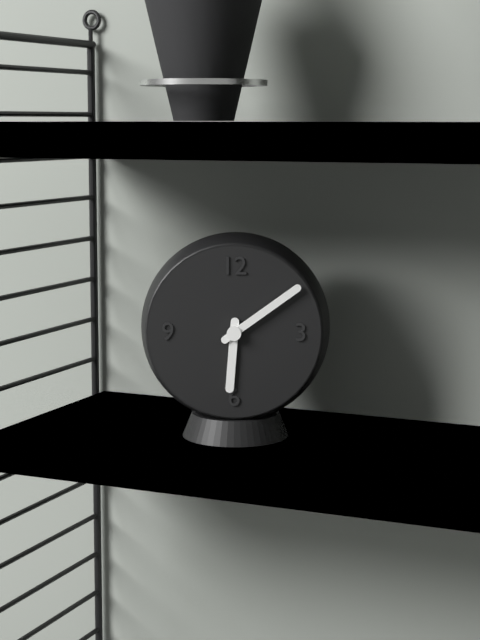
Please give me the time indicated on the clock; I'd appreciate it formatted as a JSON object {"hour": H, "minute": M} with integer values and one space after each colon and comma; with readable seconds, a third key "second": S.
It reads {"hour": 6, "minute": 9}
